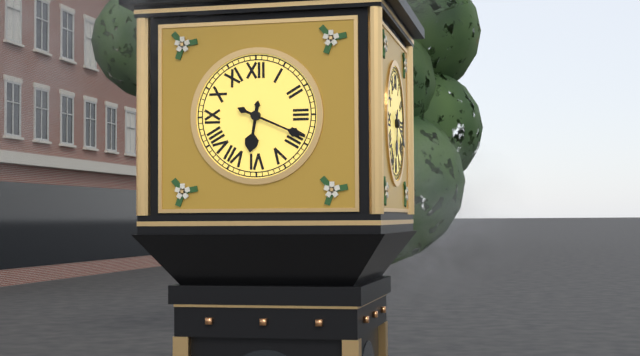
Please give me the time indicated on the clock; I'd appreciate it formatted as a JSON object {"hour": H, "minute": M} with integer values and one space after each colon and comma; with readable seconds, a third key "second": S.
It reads {"hour": 6, "minute": 19}
